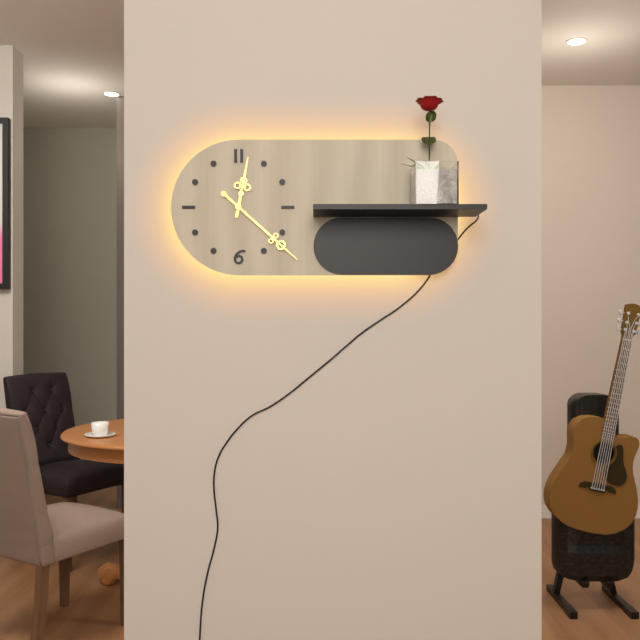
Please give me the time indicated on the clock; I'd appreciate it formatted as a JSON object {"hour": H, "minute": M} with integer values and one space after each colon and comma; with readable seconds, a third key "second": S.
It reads {"hour": 12, "minute": 22}
